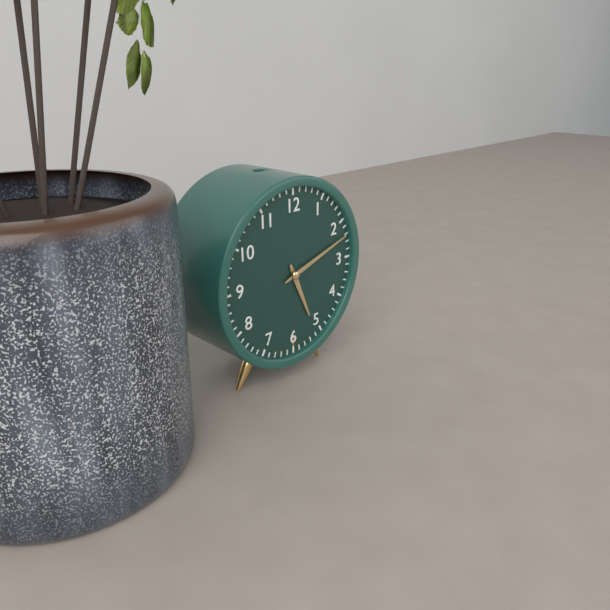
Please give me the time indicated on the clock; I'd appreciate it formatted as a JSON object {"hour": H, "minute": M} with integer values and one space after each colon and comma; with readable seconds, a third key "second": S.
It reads {"hour": 5, "minute": 12}
